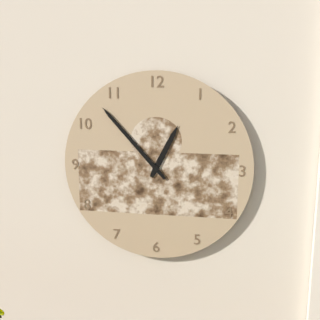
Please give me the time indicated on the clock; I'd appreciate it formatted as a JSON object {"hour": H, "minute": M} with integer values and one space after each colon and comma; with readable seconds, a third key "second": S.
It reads {"hour": 12, "minute": 53}
